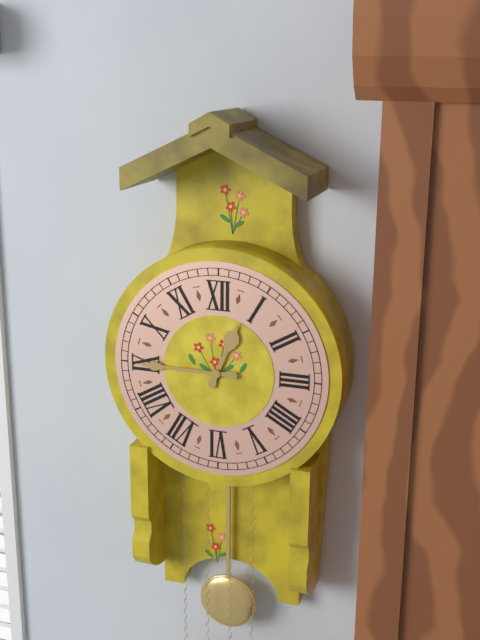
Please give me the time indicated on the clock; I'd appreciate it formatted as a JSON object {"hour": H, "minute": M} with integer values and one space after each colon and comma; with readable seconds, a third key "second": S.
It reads {"hour": 12, "minute": 45}
